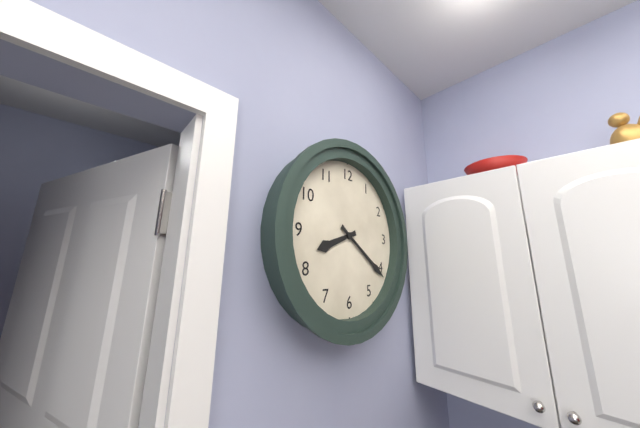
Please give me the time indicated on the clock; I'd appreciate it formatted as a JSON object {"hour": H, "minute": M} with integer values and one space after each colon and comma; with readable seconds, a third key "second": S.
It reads {"hour": 8, "minute": 21}
